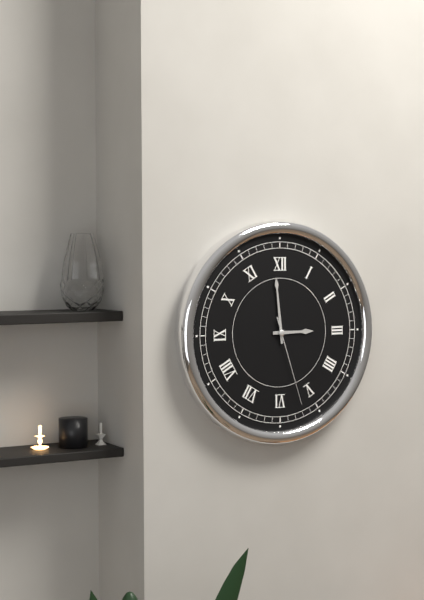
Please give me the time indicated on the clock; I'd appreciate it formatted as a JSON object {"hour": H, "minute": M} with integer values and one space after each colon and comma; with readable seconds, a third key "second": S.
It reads {"hour": 2, "minute": 59, "second": 27}
